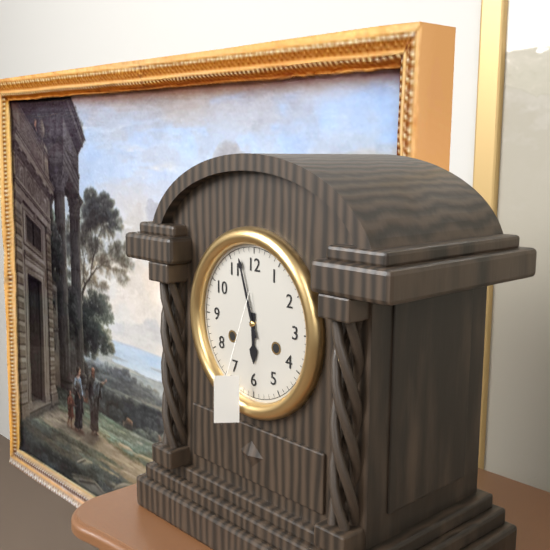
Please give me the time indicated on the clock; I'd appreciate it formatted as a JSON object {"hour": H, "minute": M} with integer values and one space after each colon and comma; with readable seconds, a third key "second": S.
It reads {"hour": 5, "minute": 57}
